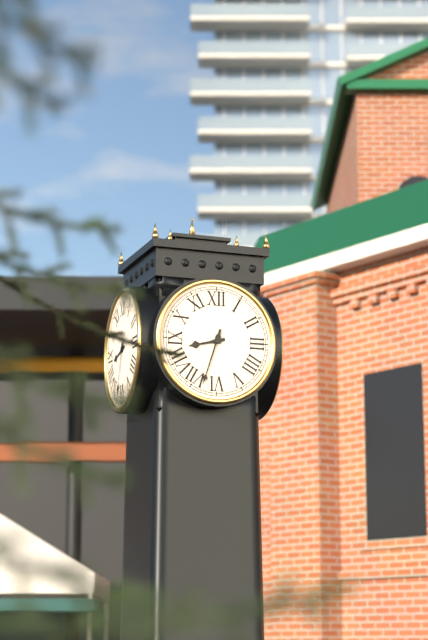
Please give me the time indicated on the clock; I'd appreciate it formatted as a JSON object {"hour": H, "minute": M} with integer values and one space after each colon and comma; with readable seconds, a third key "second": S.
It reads {"hour": 8, "minute": 33}
